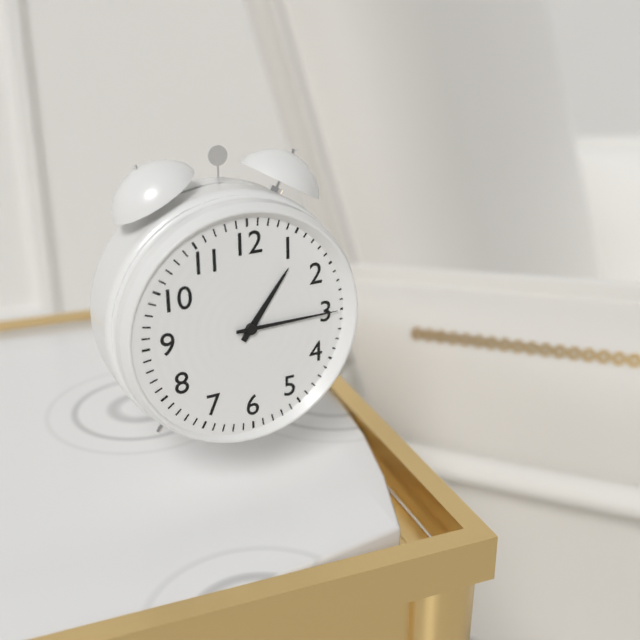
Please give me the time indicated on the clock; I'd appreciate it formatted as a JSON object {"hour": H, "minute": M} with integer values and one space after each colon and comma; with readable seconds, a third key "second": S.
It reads {"hour": 1, "minute": 15}
